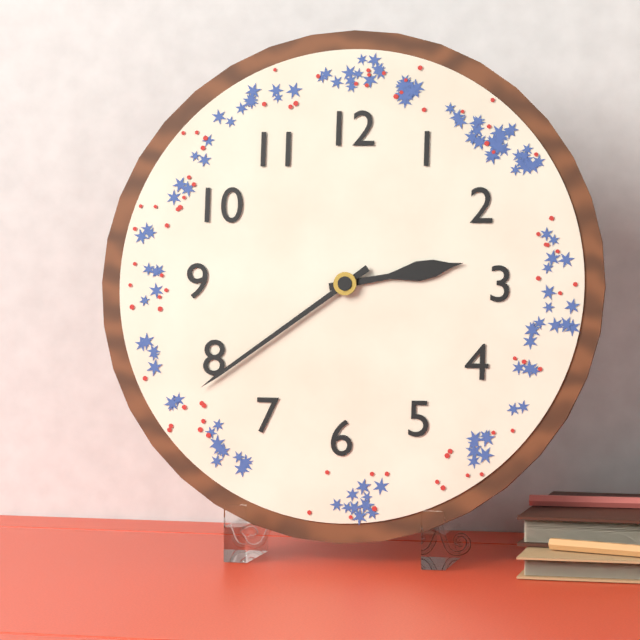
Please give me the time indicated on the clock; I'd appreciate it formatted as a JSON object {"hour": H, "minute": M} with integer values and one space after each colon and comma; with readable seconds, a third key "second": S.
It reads {"hour": 2, "minute": 39}
